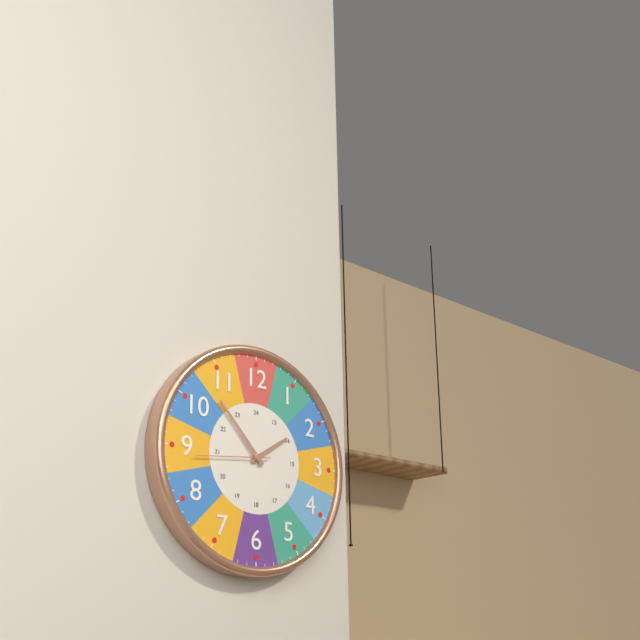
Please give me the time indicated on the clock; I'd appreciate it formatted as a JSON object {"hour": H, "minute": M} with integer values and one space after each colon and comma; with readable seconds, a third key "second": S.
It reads {"hour": 1, "minute": 53, "second": 44}
